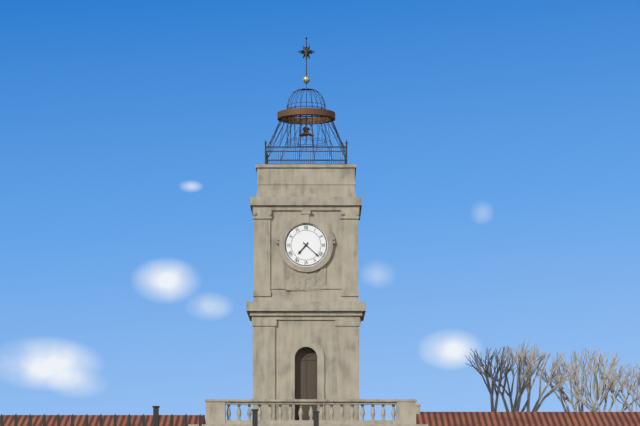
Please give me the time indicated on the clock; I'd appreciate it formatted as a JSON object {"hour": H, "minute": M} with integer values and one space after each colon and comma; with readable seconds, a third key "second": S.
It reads {"hour": 7, "minute": 22}
